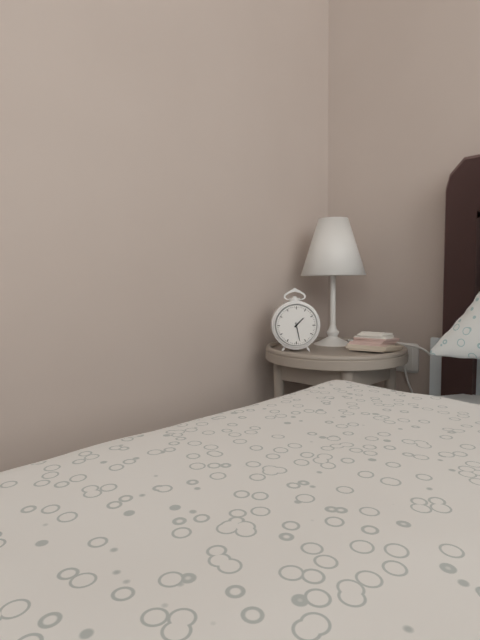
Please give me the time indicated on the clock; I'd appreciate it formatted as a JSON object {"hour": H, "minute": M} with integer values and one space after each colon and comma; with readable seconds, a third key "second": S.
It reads {"hour": 1, "minute": 28}
